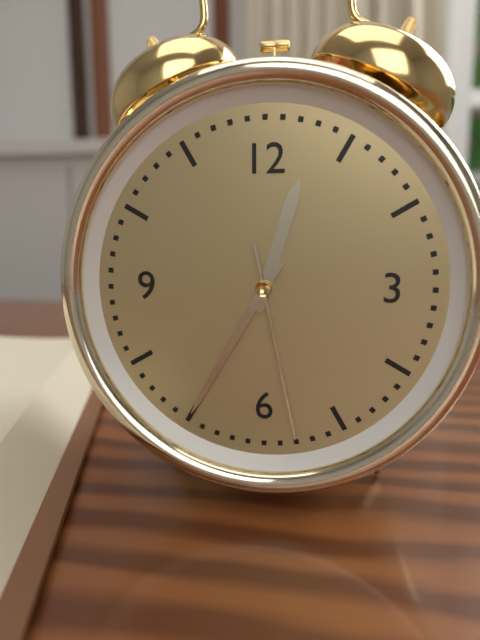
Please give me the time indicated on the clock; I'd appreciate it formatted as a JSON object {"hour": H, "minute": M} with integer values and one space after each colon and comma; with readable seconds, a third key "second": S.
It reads {"hour": 12, "minute": 35, "second": 28}
